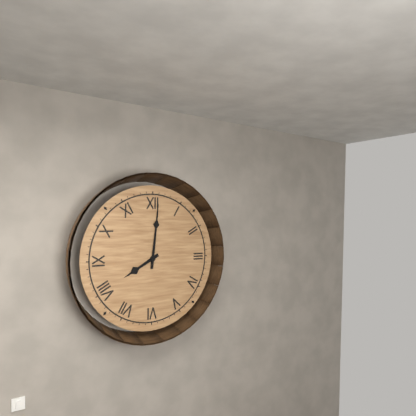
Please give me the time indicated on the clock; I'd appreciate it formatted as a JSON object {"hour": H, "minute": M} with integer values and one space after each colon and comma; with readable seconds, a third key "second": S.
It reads {"hour": 8, "minute": 1}
